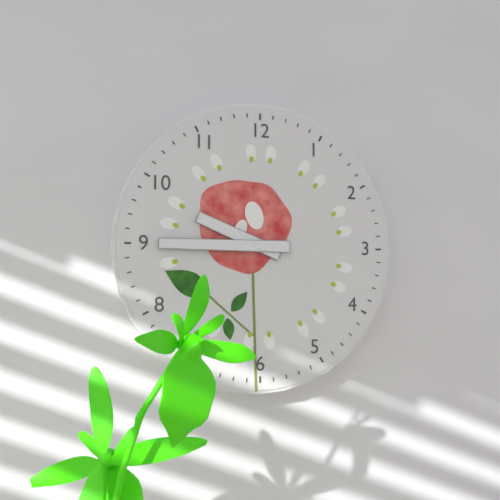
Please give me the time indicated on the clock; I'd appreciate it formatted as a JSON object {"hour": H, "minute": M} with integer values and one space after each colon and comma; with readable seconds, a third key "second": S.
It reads {"hour": 9, "minute": 45}
